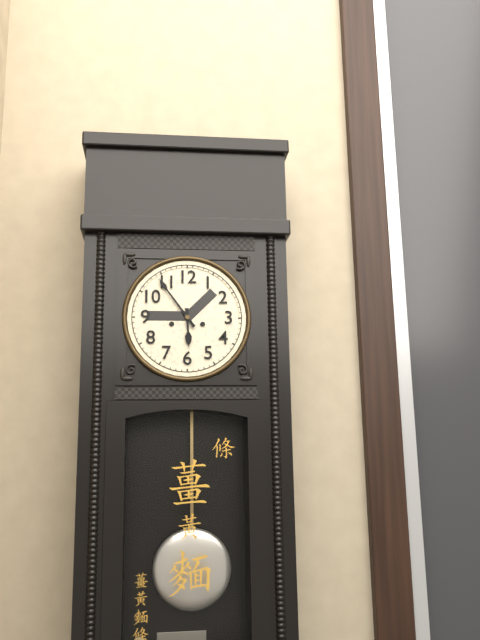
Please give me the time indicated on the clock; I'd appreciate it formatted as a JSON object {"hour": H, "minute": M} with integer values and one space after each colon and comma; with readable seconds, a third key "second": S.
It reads {"hour": 5, "minute": 54}
